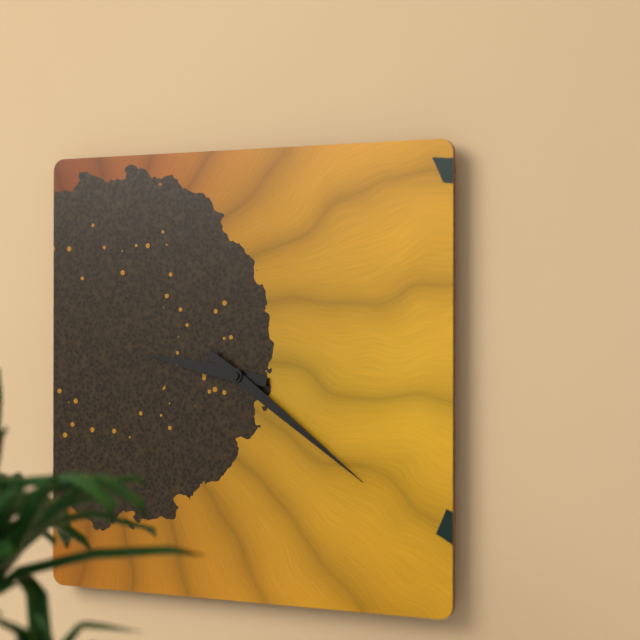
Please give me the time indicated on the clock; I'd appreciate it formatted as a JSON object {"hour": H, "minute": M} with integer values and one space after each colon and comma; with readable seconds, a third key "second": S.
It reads {"hour": 9, "minute": 21}
